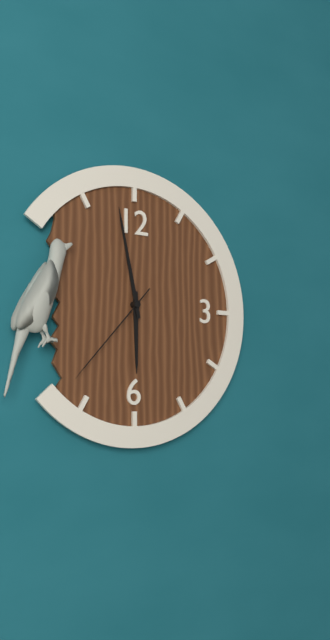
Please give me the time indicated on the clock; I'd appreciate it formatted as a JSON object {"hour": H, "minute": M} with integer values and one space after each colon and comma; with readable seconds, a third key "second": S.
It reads {"hour": 5, "minute": 58, "second": 37}
